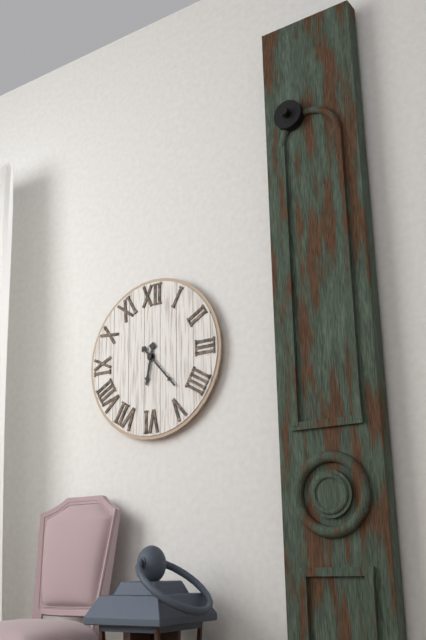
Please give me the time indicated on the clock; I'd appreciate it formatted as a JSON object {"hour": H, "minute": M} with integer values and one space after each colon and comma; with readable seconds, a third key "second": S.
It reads {"hour": 6, "minute": 23}
